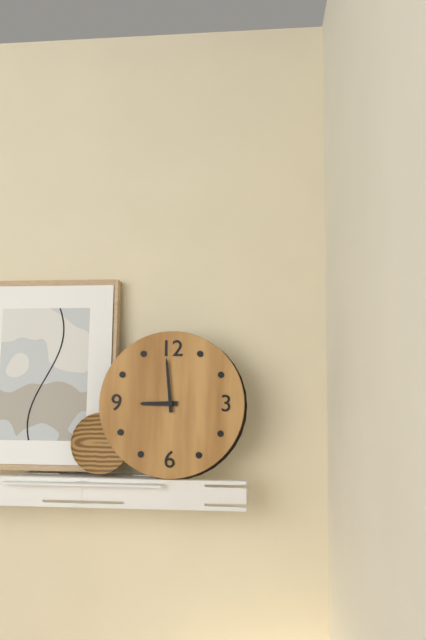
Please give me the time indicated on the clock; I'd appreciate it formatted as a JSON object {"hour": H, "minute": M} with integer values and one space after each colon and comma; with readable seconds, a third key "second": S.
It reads {"hour": 8, "minute": 59}
